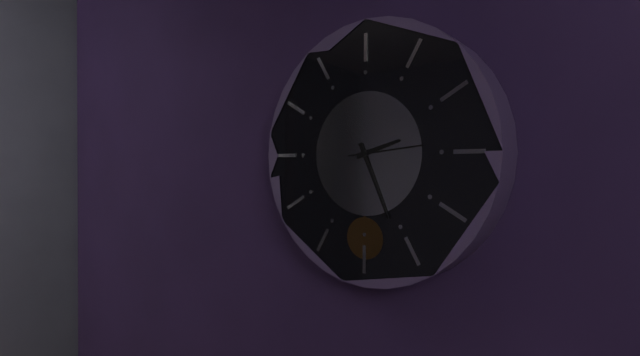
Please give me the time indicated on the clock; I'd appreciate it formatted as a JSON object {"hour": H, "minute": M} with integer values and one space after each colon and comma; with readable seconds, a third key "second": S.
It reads {"hour": 2, "minute": 26}
